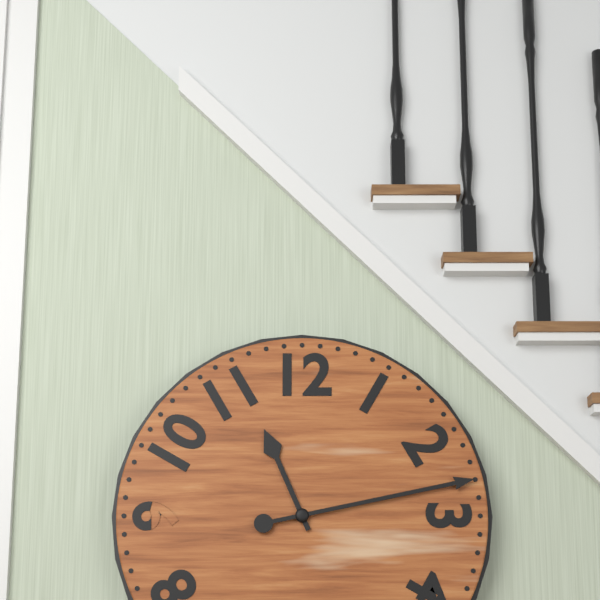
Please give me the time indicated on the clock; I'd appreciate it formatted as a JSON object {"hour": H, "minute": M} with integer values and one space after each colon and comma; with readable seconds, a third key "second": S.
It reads {"hour": 11, "minute": 13}
